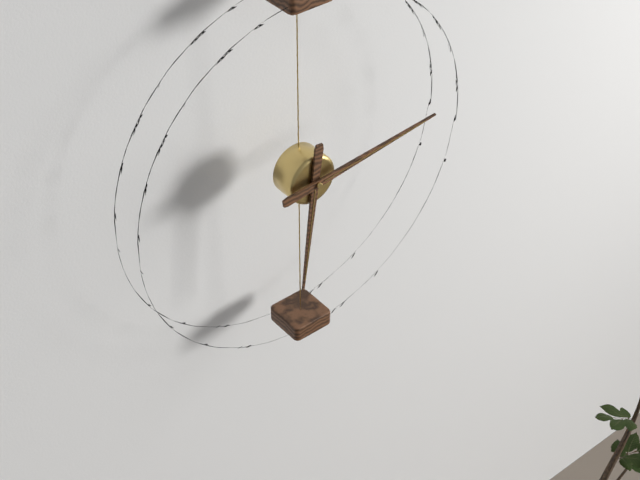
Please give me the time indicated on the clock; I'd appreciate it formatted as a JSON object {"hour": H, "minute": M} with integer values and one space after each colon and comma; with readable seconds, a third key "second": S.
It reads {"hour": 6, "minute": 14}
